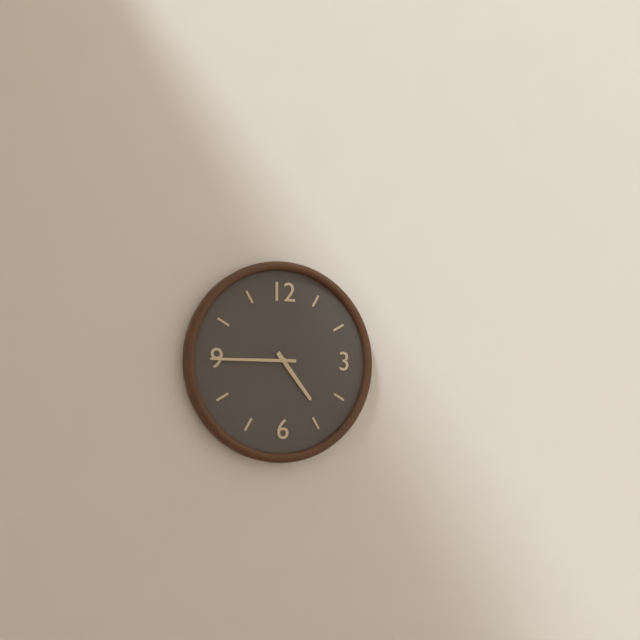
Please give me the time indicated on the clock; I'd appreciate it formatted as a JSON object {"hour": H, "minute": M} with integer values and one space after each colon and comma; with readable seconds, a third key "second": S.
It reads {"hour": 4, "minute": 45}
